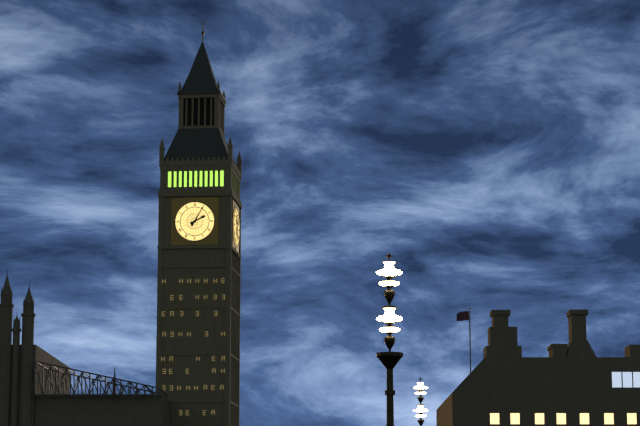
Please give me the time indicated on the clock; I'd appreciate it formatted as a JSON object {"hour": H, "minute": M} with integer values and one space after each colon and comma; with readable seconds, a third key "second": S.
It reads {"hour": 2, "minute": 5}
